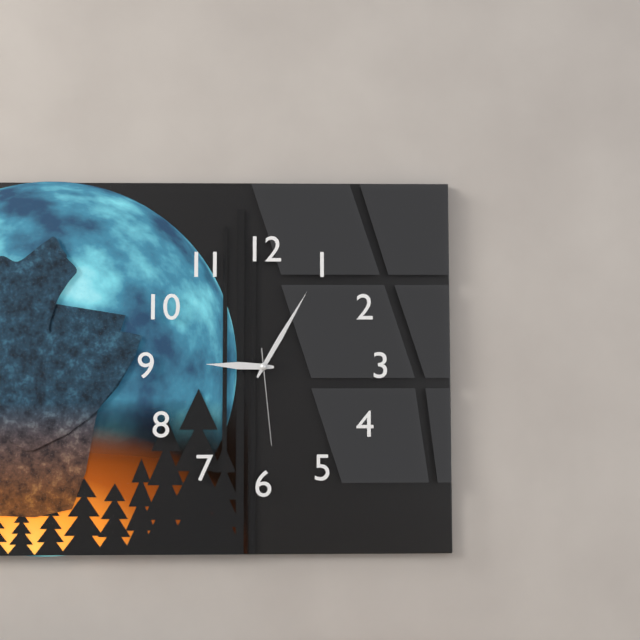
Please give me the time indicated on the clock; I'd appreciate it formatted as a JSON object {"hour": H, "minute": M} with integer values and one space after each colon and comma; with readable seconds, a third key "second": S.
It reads {"hour": 9, "minute": 5, "second": 29}
